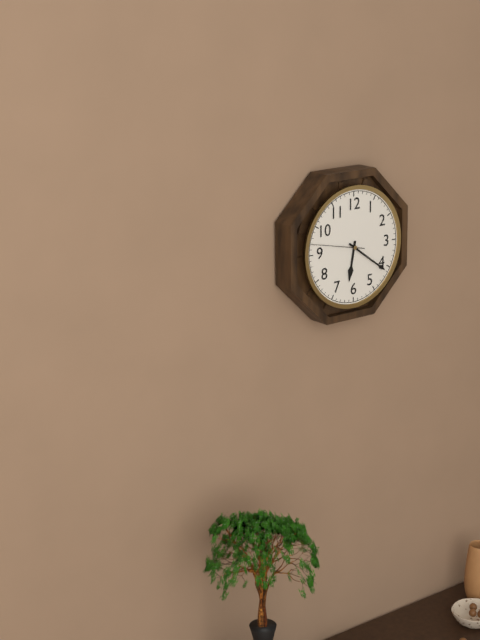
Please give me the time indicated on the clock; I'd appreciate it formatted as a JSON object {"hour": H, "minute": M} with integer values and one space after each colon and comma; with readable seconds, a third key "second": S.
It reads {"hour": 6, "minute": 21, "second": 47}
